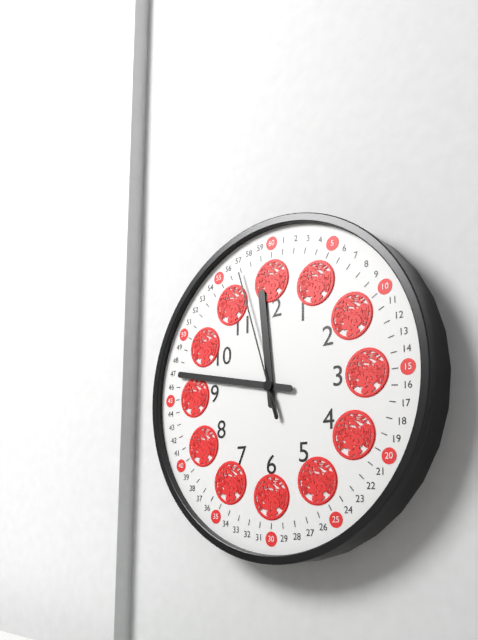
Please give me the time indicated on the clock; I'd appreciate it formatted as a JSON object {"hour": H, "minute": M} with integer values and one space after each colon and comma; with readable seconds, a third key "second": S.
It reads {"hour": 11, "minute": 47, "second": 57}
